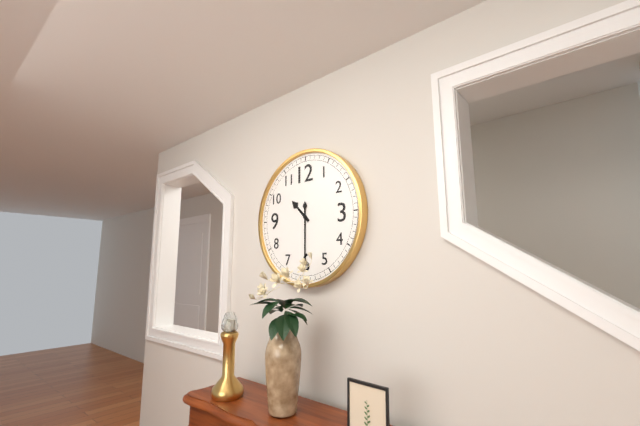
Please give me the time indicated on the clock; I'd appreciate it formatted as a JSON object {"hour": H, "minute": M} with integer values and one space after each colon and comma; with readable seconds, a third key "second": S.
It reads {"hour": 10, "minute": 30}
